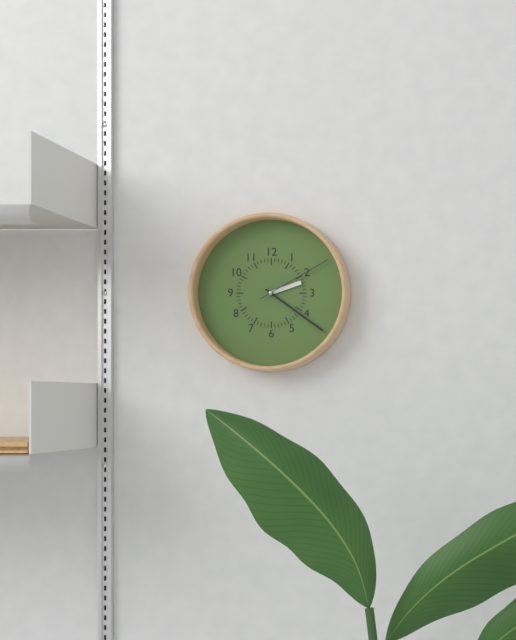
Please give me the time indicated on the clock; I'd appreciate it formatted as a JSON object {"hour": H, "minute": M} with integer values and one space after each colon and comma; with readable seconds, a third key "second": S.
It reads {"hour": 2, "minute": 21, "second": 10}
